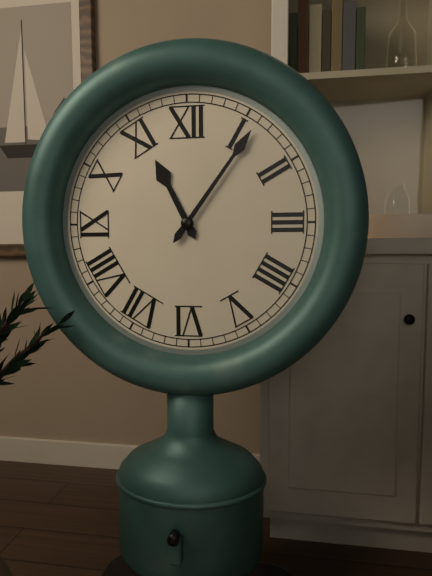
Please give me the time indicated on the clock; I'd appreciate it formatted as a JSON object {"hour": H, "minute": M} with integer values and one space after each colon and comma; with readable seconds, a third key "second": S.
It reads {"hour": 11, "minute": 6}
